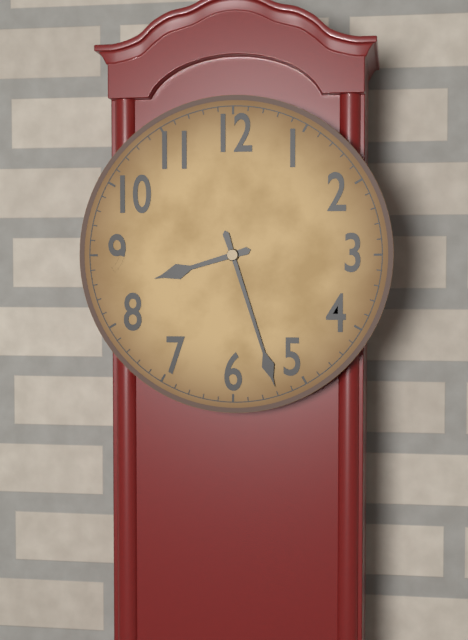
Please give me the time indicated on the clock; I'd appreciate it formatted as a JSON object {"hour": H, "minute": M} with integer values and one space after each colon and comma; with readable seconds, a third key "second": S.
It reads {"hour": 8, "minute": 27}
